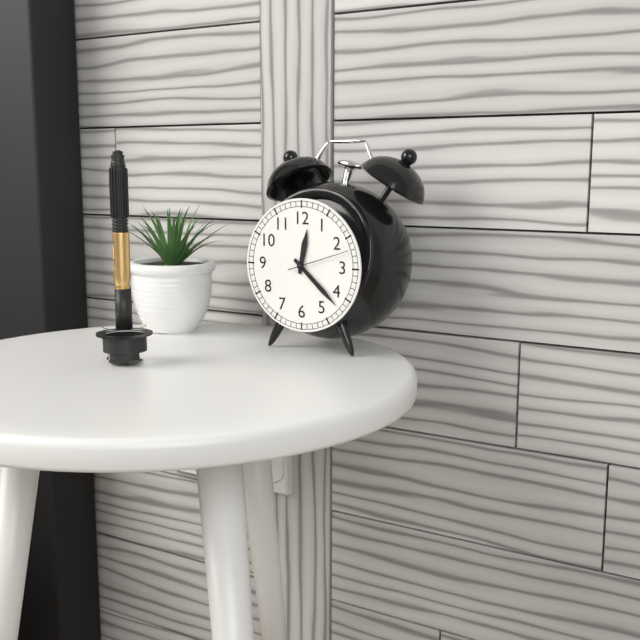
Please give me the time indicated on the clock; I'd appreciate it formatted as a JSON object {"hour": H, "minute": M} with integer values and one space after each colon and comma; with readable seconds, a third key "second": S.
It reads {"hour": 12, "minute": 22, "second": 12}
